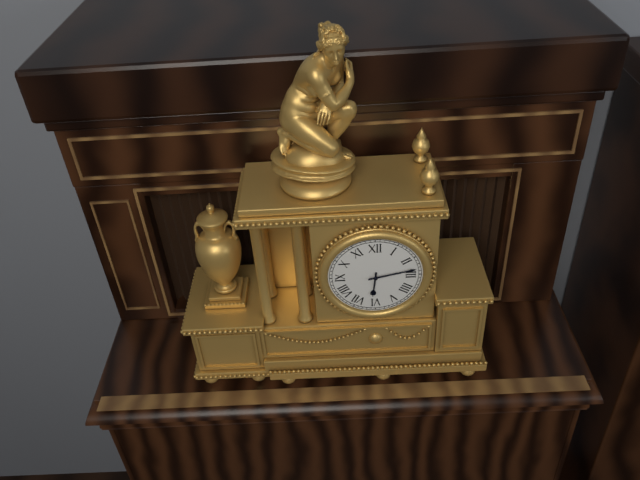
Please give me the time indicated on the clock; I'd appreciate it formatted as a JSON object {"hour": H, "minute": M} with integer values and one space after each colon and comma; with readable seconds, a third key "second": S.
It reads {"hour": 6, "minute": 13}
